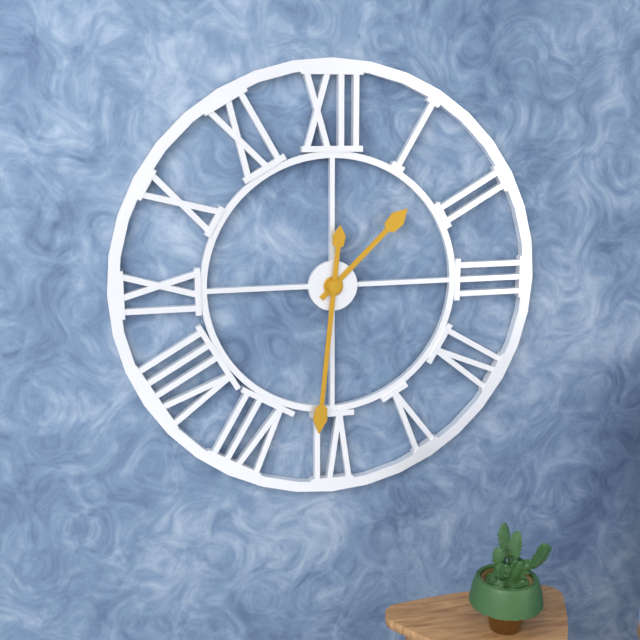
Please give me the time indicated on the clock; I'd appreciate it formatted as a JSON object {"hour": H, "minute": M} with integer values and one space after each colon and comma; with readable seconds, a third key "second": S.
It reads {"hour": 1, "minute": 31}
